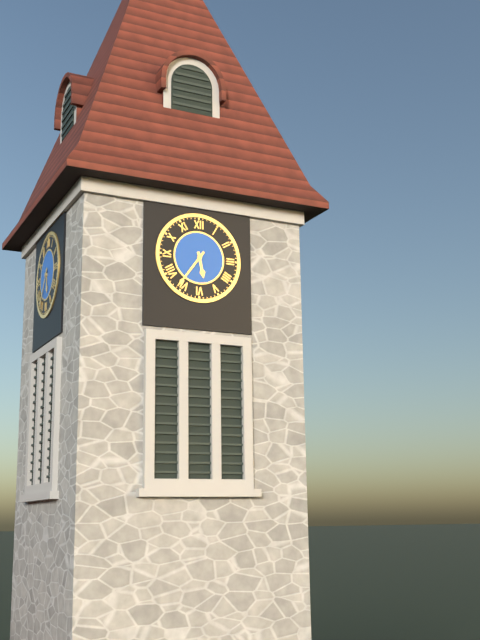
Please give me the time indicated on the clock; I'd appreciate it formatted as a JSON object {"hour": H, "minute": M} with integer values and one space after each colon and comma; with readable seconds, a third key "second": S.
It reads {"hour": 5, "minute": 36}
